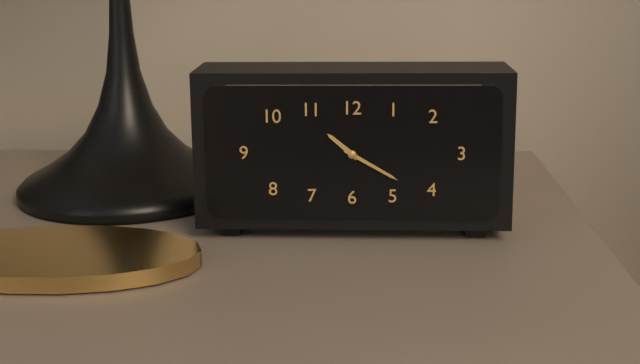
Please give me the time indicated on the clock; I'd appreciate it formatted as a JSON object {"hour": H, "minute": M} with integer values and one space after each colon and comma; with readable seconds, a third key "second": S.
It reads {"hour": 10, "minute": 20}
